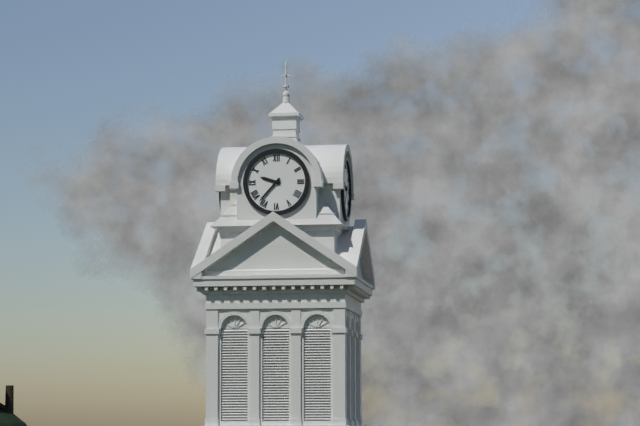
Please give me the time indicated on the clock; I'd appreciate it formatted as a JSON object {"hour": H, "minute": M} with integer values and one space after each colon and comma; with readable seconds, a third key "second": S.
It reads {"hour": 9, "minute": 37}
